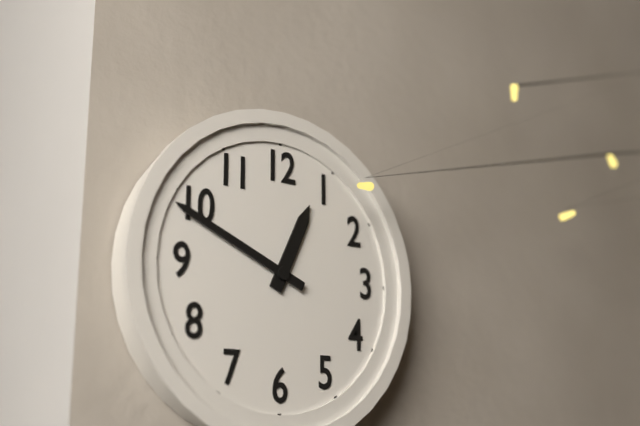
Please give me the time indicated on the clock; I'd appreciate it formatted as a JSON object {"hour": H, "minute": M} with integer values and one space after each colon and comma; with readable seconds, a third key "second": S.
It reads {"hour": 12, "minute": 49}
